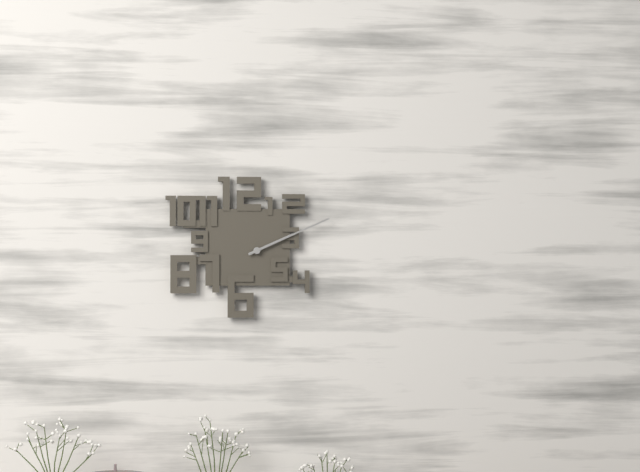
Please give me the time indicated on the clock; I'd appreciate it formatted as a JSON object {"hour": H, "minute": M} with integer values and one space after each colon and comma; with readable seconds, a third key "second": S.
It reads {"hour": 2, "minute": 11}
